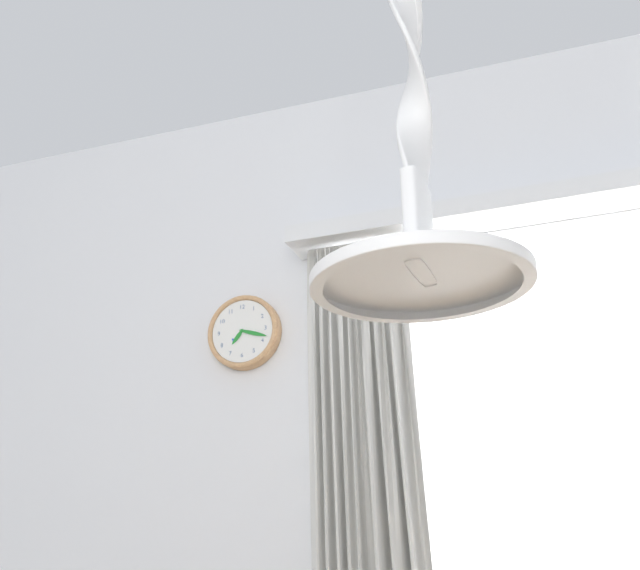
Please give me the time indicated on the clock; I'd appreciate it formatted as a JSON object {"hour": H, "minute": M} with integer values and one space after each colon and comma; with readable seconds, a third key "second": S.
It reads {"hour": 7, "minute": 18}
